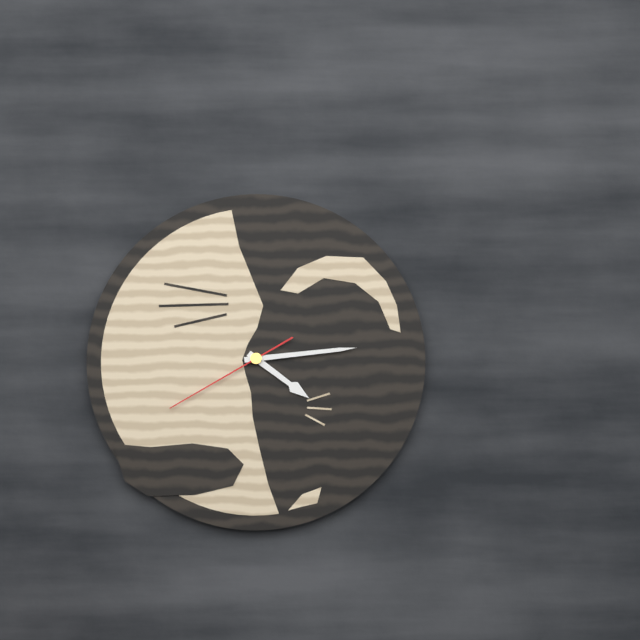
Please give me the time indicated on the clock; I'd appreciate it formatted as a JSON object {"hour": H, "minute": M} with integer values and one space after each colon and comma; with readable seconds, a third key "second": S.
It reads {"hour": 4, "minute": 14, "second": 40}
